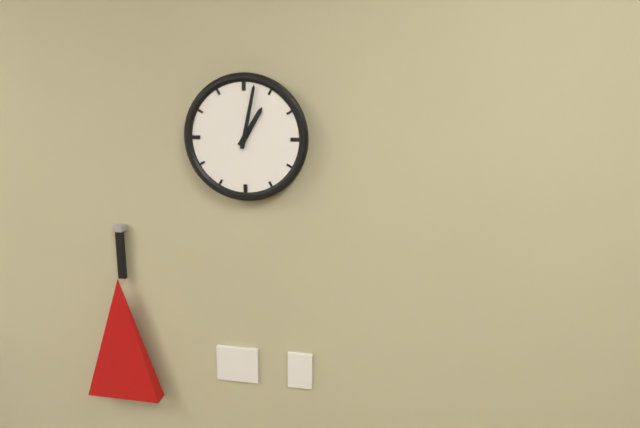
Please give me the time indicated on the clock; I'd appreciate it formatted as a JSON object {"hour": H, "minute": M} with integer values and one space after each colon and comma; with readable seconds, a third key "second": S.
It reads {"hour": 1, "minute": 2}
